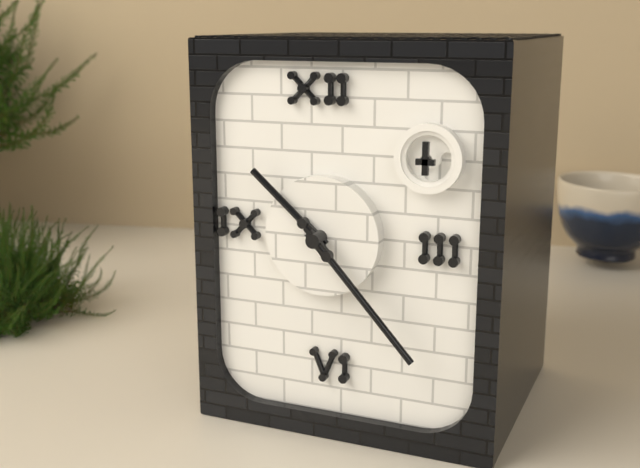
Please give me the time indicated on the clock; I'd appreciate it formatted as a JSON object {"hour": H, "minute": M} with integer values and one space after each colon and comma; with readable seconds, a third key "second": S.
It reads {"hour": 10, "minute": 23}
